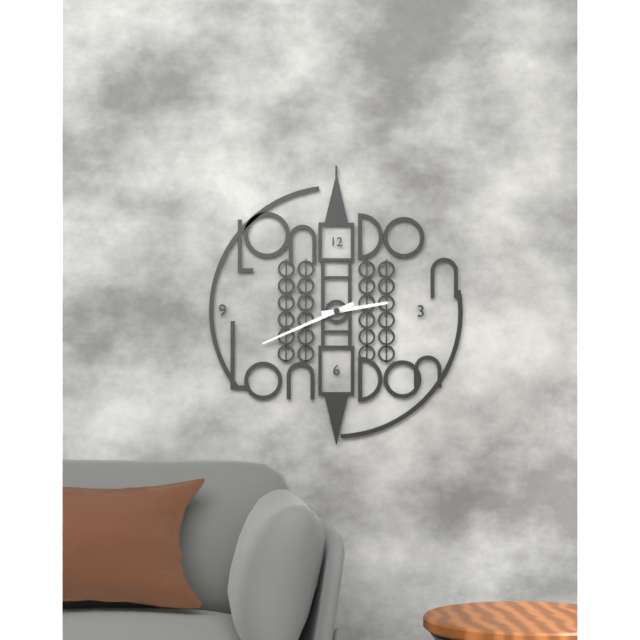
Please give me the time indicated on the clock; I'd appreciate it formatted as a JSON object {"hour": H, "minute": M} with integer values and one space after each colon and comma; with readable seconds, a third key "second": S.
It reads {"hour": 2, "minute": 41}
